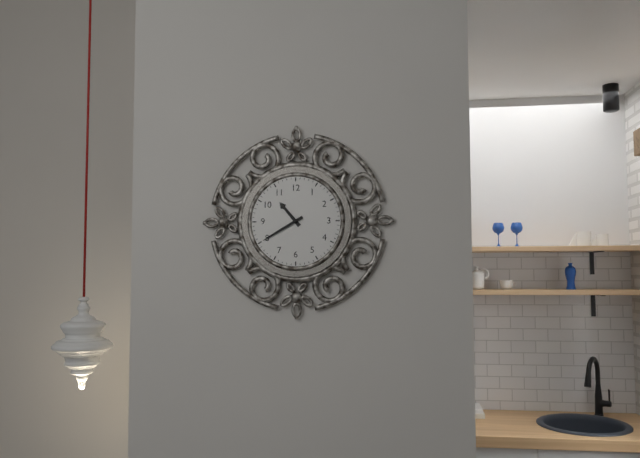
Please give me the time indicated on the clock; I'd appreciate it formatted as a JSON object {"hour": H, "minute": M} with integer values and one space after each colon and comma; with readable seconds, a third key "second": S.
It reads {"hour": 10, "minute": 40}
